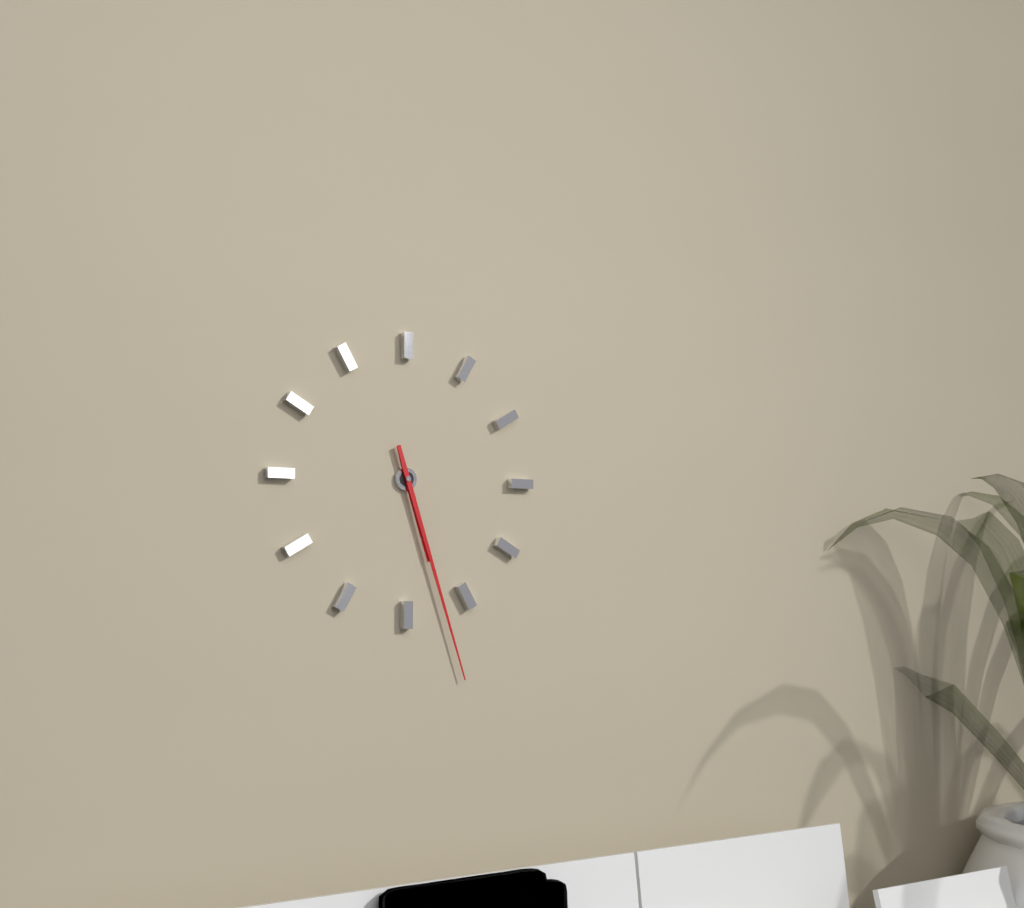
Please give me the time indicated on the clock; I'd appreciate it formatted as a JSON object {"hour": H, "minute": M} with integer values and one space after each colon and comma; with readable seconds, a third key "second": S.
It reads {"hour": 5, "minute": 27}
